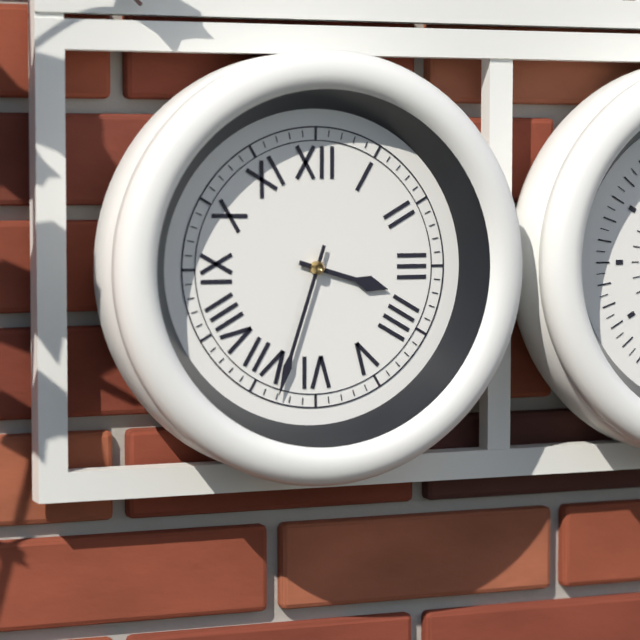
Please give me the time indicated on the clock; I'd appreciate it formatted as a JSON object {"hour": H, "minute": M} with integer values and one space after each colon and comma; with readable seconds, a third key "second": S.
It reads {"hour": 3, "minute": 33}
